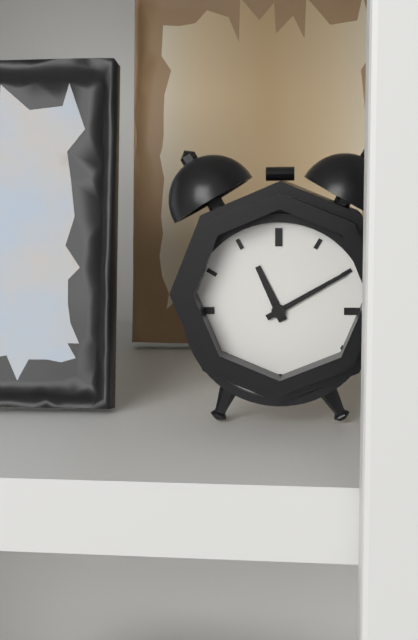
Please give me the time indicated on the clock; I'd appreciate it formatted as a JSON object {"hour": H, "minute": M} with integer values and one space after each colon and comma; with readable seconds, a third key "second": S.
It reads {"hour": 11, "minute": 10}
